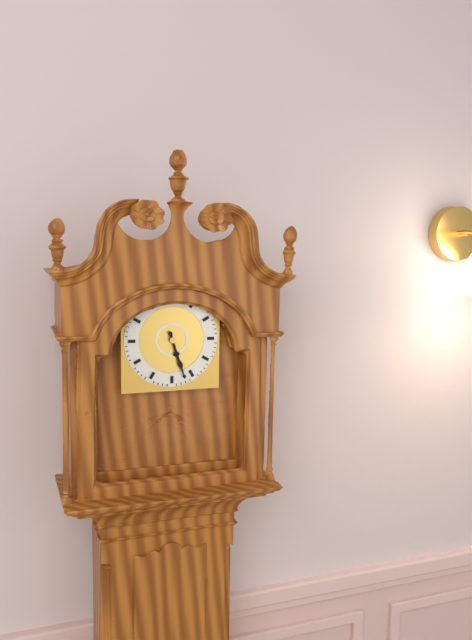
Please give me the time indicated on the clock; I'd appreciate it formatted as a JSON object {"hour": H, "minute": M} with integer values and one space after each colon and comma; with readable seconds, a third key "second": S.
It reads {"hour": 5, "minute": 27}
